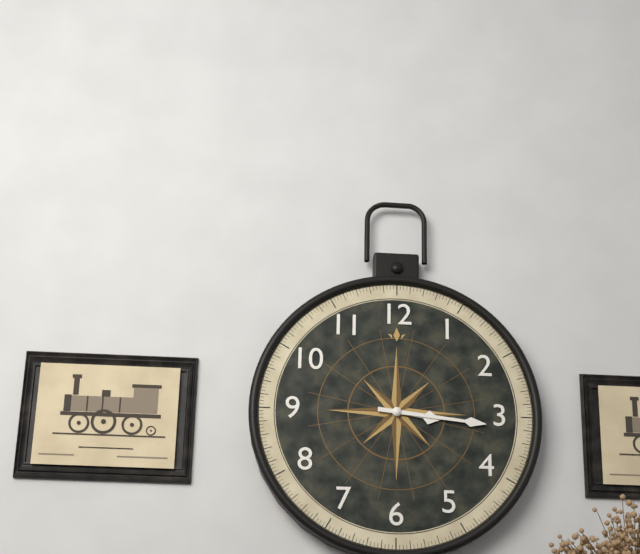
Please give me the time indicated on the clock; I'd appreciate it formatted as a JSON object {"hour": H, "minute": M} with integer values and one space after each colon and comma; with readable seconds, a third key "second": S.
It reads {"hour": 3, "minute": 16}
